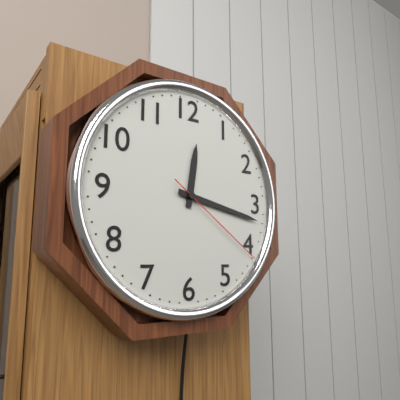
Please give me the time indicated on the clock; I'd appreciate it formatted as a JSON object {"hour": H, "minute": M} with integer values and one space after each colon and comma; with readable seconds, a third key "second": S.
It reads {"hour": 12, "minute": 17, "second": 21}
